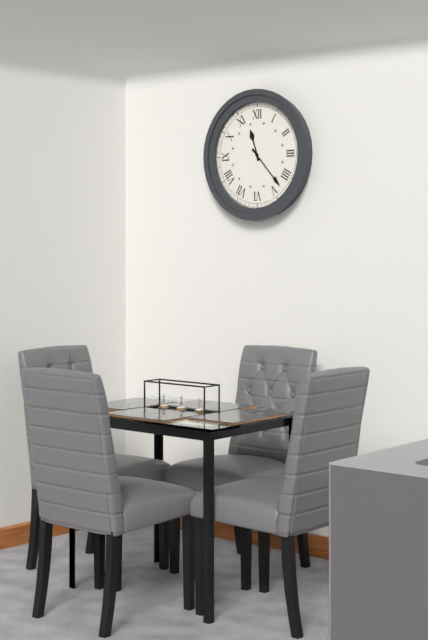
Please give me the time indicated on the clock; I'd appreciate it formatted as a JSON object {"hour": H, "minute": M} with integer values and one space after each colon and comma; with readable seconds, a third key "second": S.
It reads {"hour": 11, "minute": 23}
